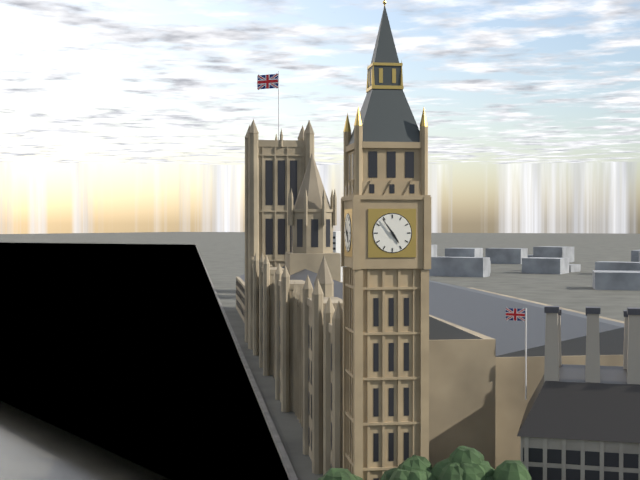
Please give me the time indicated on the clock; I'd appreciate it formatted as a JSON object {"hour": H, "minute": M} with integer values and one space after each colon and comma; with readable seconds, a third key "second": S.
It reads {"hour": 4, "minute": 54}
